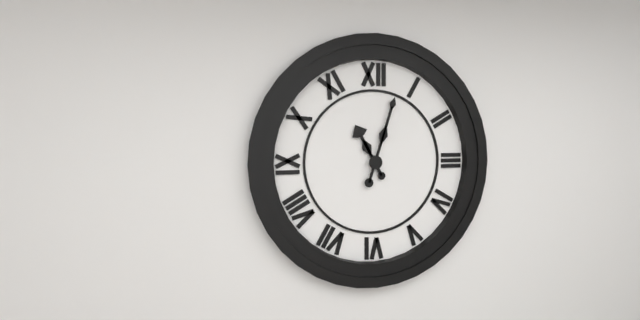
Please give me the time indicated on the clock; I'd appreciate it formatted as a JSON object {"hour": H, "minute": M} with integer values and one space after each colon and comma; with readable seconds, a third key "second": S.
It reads {"hour": 11, "minute": 3}
